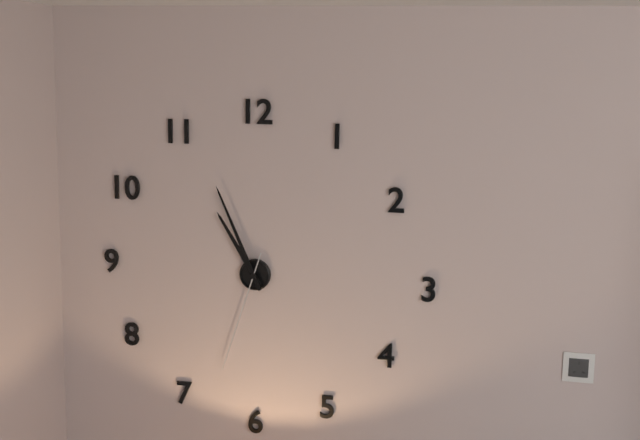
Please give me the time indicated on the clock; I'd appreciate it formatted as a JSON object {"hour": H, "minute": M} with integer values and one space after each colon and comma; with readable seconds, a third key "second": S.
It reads {"hour": 10, "minute": 56, "second": 33}
